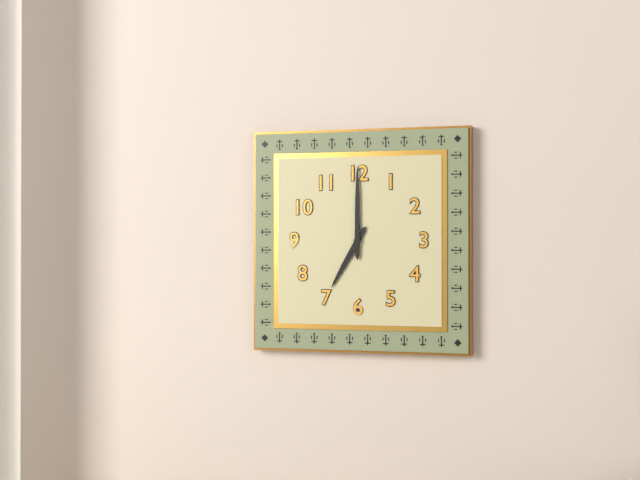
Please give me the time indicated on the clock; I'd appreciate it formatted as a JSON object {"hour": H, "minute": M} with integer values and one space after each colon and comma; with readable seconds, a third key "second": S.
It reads {"hour": 7, "minute": 0}
